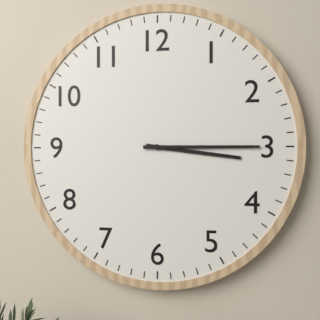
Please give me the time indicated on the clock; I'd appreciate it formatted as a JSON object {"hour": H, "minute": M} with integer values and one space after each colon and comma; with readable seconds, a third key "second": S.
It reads {"hour": 3, "minute": 15}
